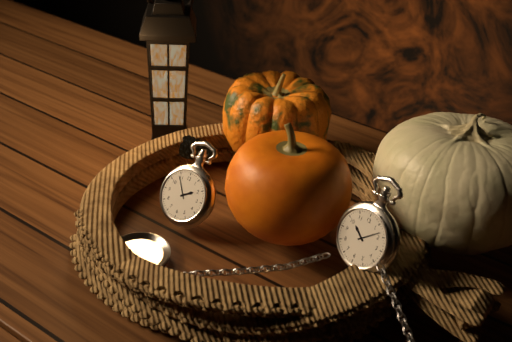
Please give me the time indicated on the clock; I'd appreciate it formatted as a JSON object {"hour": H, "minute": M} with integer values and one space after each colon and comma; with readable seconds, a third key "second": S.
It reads {"hour": 1, "minute": 54}
